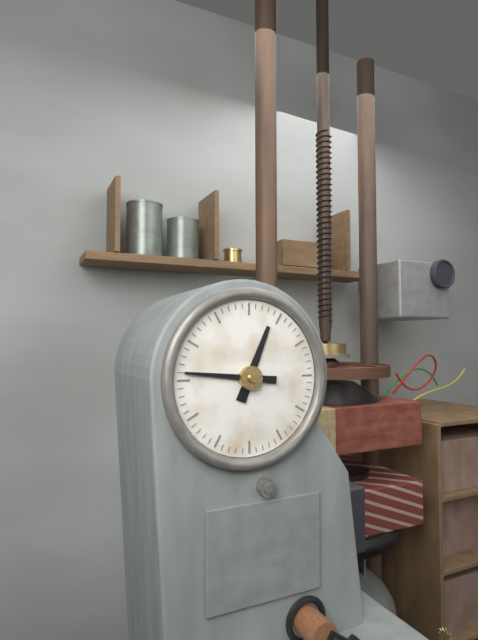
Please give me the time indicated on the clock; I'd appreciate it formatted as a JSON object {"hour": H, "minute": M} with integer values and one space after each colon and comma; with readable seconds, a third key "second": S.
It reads {"hour": 12, "minute": 46}
